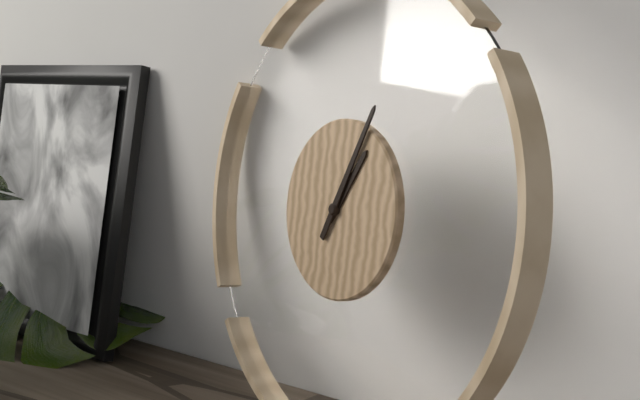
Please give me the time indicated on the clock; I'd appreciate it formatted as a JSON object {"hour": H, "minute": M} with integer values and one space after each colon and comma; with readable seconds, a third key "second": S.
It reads {"hour": 1, "minute": 4}
